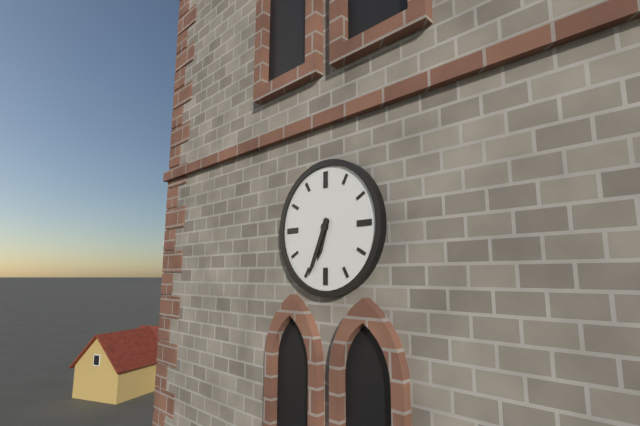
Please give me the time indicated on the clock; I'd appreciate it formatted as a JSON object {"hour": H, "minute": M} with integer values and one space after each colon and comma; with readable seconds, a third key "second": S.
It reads {"hour": 6, "minute": 34}
